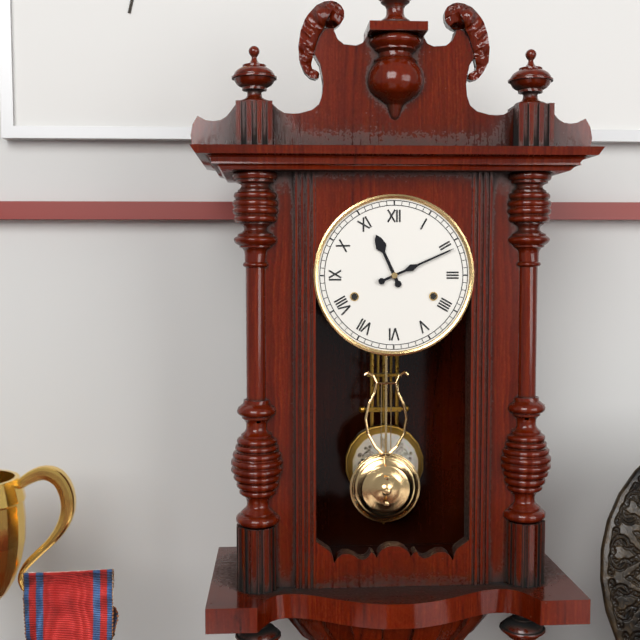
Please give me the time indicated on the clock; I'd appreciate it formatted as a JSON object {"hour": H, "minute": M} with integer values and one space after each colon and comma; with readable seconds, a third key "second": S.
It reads {"hour": 11, "minute": 11}
